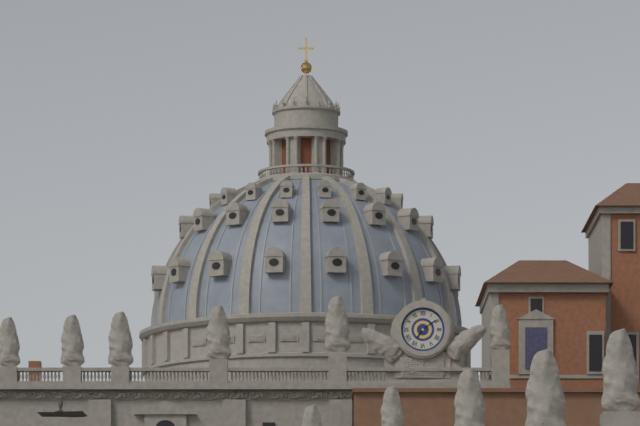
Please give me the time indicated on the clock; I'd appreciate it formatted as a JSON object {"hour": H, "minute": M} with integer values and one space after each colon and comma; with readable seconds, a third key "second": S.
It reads {"hour": 7, "minute": 9}
